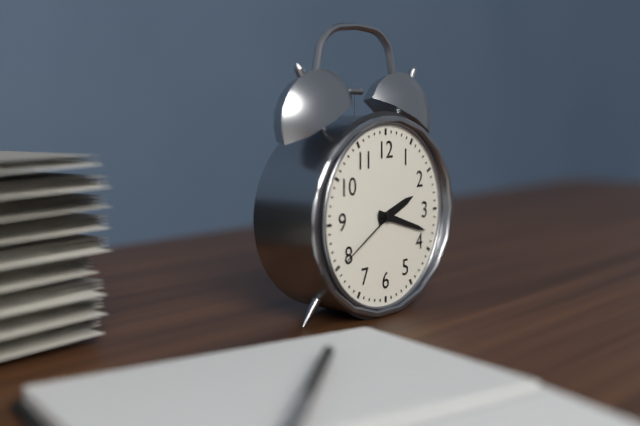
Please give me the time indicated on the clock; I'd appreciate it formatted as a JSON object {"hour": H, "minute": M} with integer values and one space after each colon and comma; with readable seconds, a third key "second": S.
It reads {"hour": 2, "minute": 18, "second": 40}
